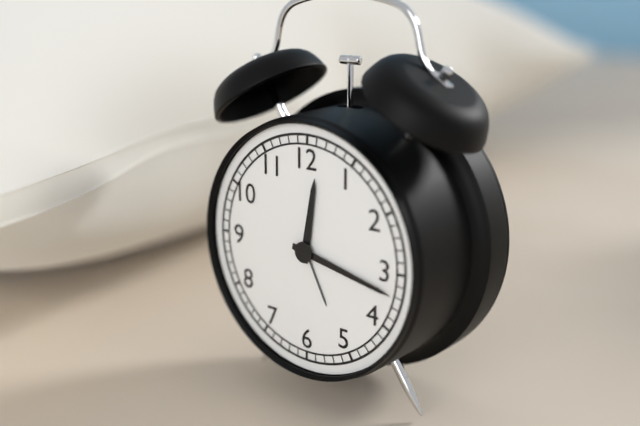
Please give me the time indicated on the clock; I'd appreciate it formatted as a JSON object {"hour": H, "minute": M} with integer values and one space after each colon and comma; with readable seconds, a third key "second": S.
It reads {"hour": 12, "minute": 17}
